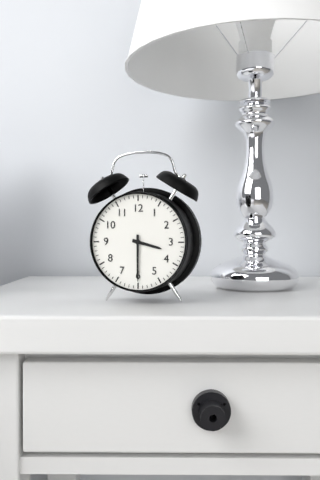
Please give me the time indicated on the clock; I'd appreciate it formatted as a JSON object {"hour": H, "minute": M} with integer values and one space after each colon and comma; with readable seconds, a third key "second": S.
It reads {"hour": 3, "minute": 30}
